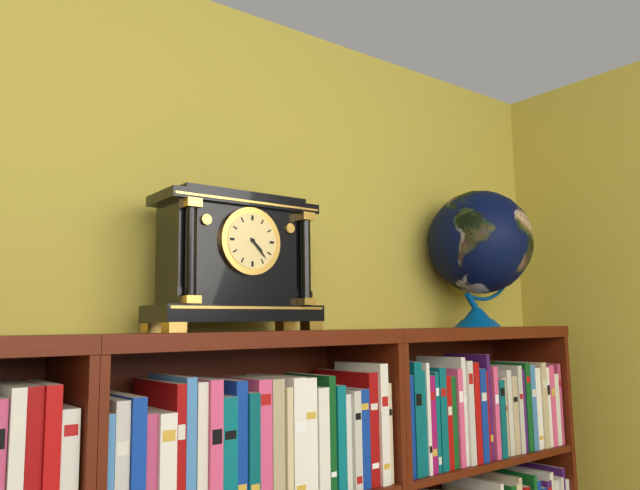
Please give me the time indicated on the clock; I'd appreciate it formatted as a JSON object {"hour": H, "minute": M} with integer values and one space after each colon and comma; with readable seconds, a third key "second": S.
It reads {"hour": 4, "minute": 23}
